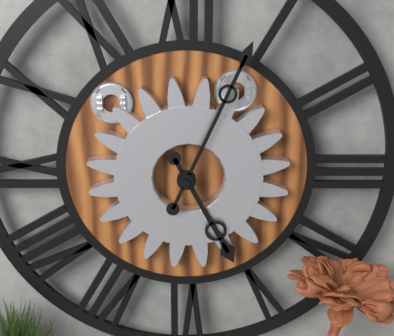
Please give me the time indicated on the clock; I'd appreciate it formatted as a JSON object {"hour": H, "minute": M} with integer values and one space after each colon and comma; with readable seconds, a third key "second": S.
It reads {"hour": 5, "minute": 4}
